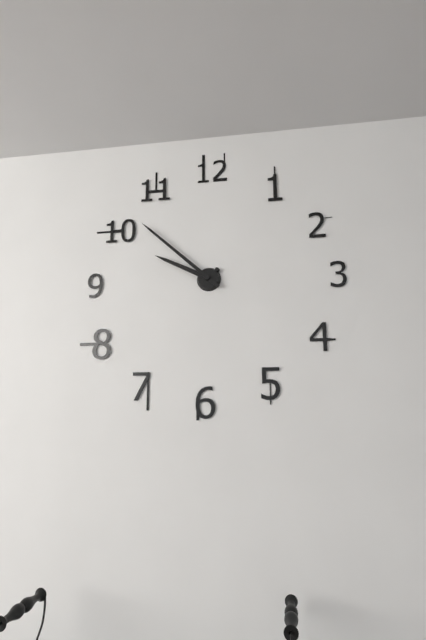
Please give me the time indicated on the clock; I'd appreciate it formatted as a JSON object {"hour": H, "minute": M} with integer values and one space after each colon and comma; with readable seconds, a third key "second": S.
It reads {"hour": 9, "minute": 52}
